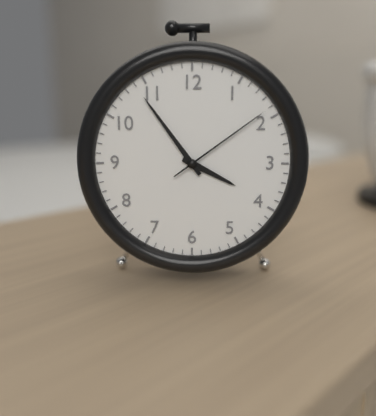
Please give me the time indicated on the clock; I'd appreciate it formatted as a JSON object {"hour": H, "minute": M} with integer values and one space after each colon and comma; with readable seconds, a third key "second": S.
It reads {"hour": 3, "minute": 54, "second": 9}
